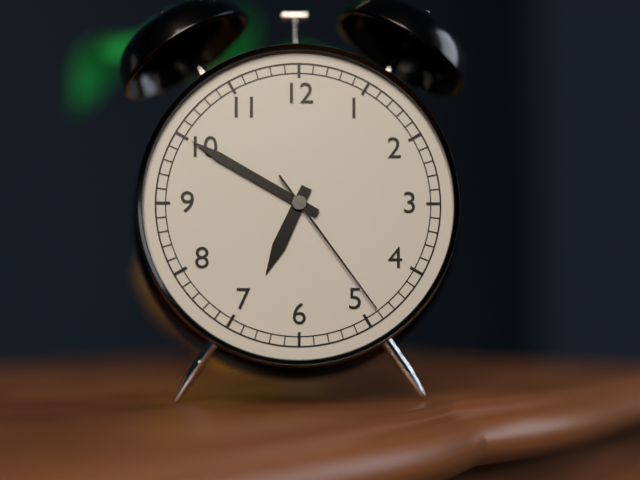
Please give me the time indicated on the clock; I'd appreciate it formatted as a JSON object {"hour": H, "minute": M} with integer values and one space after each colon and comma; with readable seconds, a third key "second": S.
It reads {"hour": 6, "minute": 50, "second": 24}
